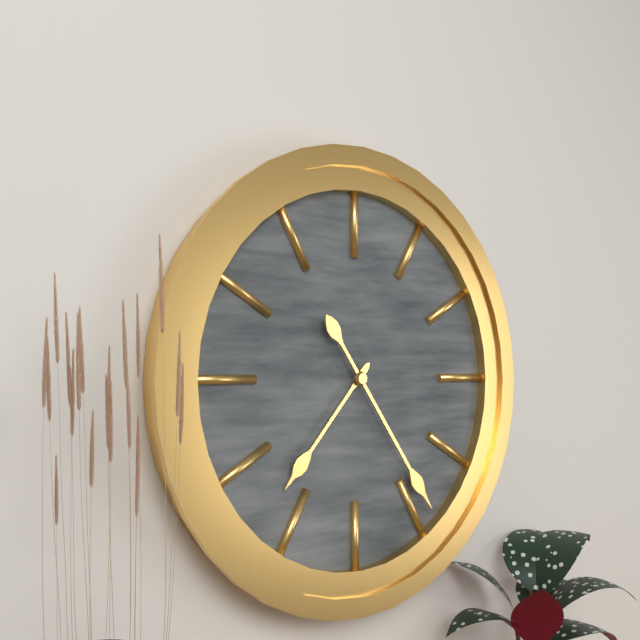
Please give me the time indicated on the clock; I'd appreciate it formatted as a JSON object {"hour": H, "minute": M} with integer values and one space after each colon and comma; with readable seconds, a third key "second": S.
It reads {"hour": 7, "minute": 24}
